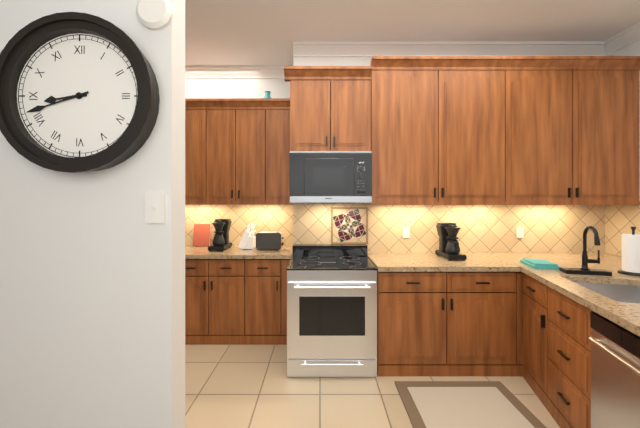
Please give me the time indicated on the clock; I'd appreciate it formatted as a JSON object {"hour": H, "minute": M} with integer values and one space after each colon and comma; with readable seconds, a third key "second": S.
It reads {"hour": 8, "minute": 42}
